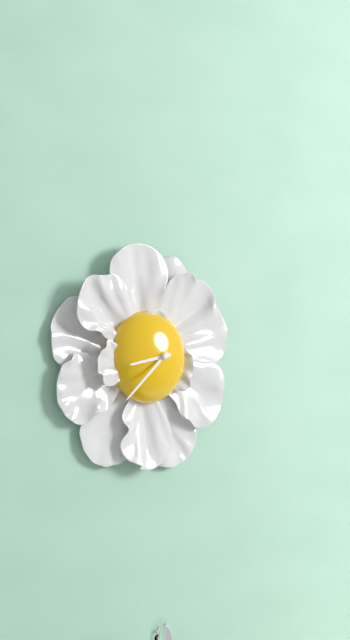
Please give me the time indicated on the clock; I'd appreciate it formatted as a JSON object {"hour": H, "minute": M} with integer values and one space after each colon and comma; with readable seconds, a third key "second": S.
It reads {"hour": 8, "minute": 38}
